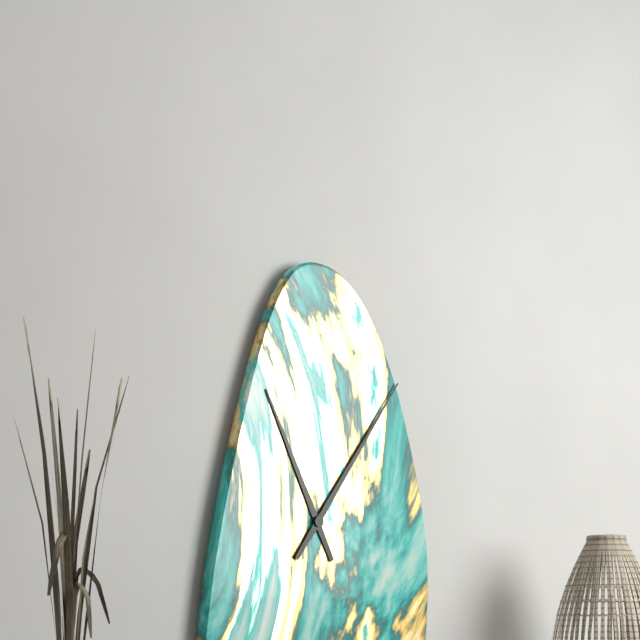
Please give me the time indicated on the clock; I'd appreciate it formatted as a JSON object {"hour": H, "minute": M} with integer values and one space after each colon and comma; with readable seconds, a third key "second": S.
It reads {"hour": 11, "minute": 6}
